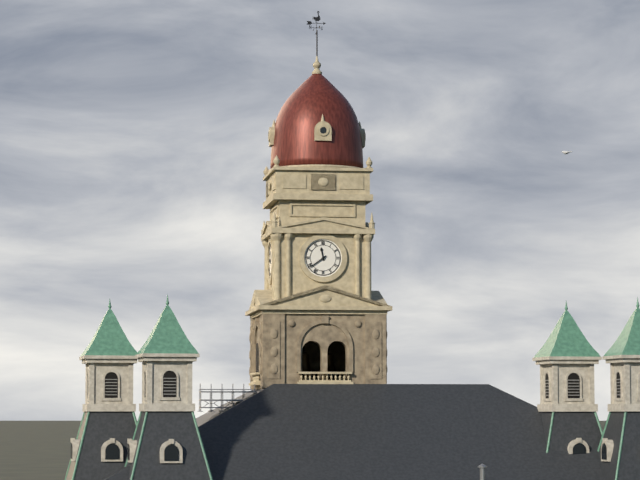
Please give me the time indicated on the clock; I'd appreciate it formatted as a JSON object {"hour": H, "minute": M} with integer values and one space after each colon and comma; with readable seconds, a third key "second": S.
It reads {"hour": 11, "minute": 39}
